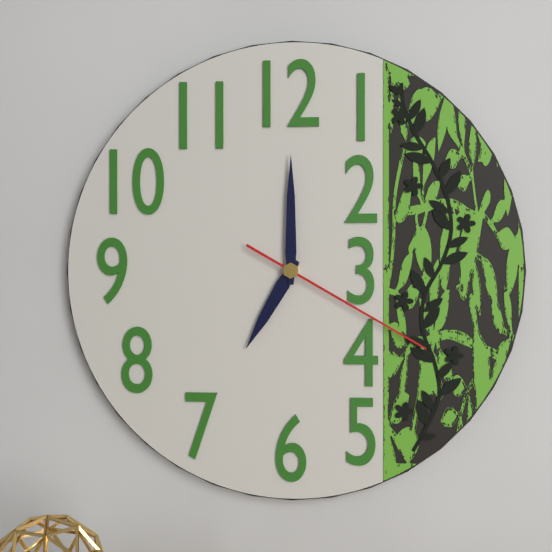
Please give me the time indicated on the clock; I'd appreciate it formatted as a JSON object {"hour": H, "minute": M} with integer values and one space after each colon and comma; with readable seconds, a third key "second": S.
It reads {"hour": 7, "minute": 0, "second": 20}
